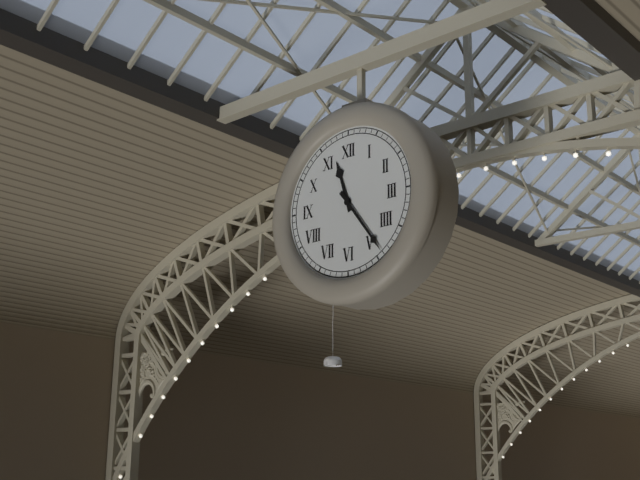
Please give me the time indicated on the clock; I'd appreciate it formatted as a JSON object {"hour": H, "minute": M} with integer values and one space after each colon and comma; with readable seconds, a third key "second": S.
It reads {"hour": 11, "minute": 24}
